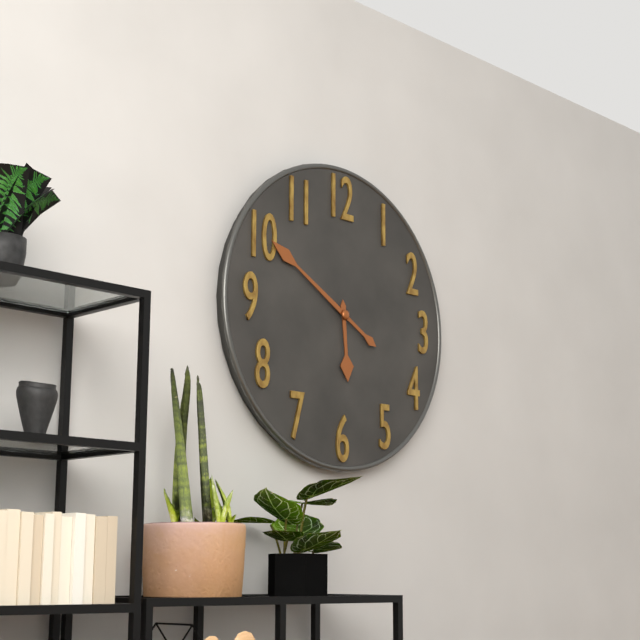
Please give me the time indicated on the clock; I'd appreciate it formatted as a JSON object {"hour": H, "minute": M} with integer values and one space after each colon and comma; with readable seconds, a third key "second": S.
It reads {"hour": 5, "minute": 50}
